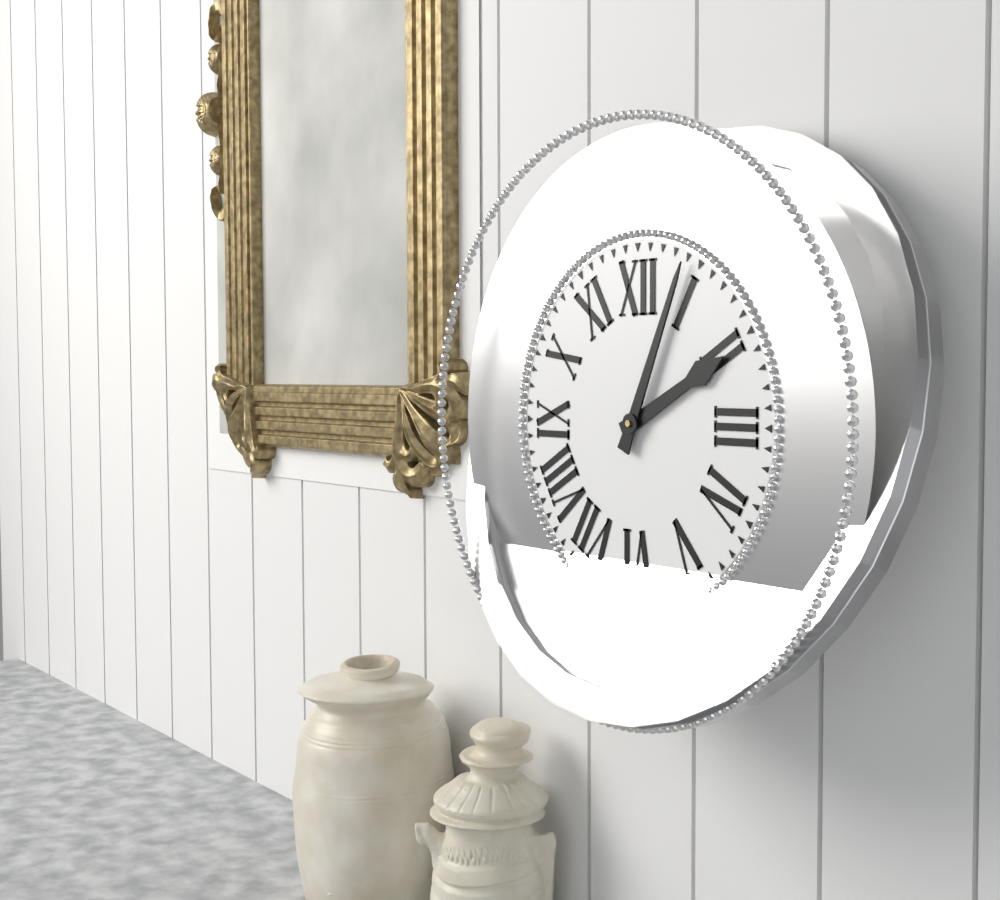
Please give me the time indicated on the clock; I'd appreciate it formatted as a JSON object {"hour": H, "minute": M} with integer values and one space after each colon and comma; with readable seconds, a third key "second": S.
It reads {"hour": 2, "minute": 4}
